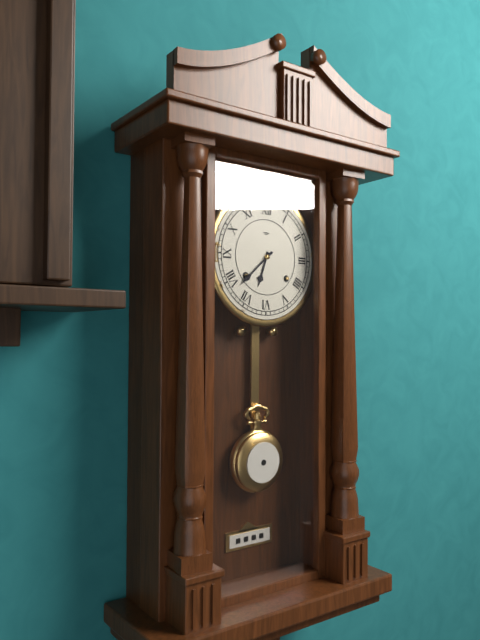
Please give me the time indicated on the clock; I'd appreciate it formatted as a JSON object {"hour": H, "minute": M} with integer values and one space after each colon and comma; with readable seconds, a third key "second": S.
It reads {"hour": 6, "minute": 38}
